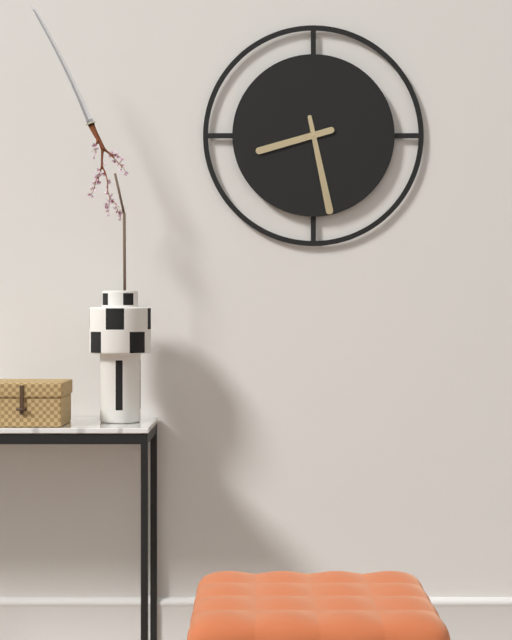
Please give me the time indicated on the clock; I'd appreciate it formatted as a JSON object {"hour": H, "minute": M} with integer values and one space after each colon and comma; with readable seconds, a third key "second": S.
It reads {"hour": 8, "minute": 28}
